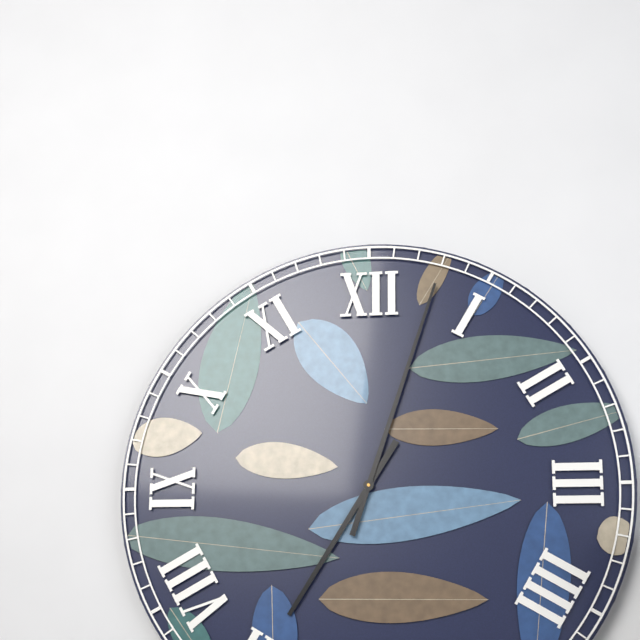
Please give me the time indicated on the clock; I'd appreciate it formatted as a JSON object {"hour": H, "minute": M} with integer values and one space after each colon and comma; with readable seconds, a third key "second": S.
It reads {"hour": 7, "minute": 3}
